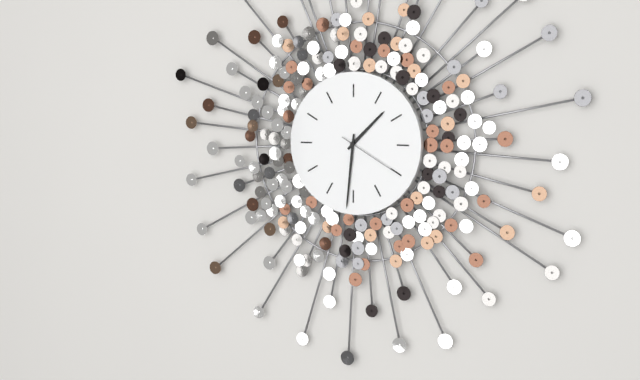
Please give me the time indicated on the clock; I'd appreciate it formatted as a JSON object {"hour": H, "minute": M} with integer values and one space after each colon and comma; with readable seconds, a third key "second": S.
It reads {"hour": 1, "minute": 31, "second": 20}
